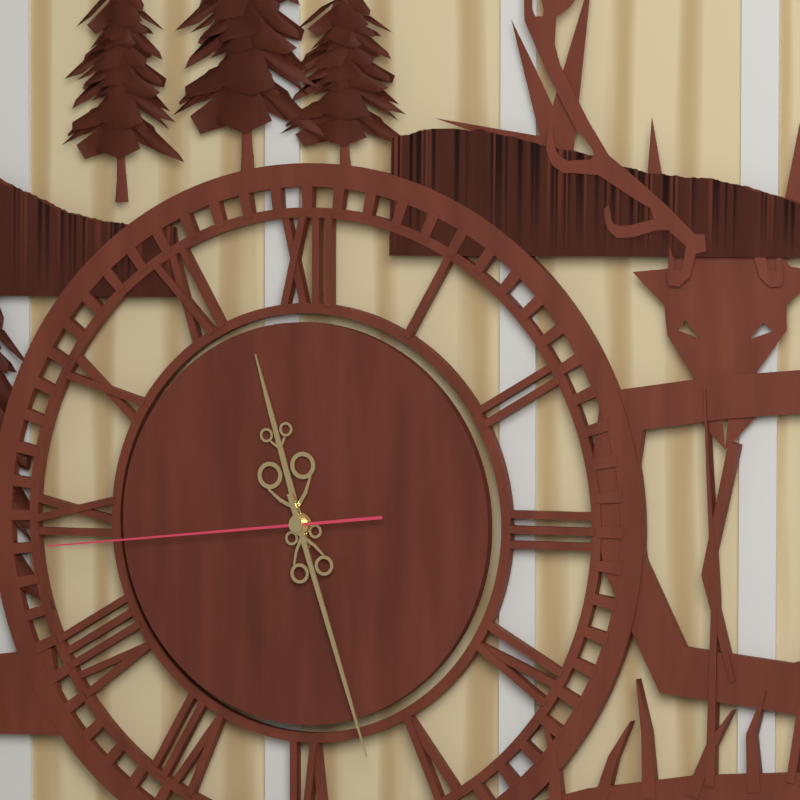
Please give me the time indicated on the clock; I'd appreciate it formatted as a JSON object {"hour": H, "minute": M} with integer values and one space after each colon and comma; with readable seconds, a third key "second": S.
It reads {"hour": 11, "minute": 27, "second": 44}
